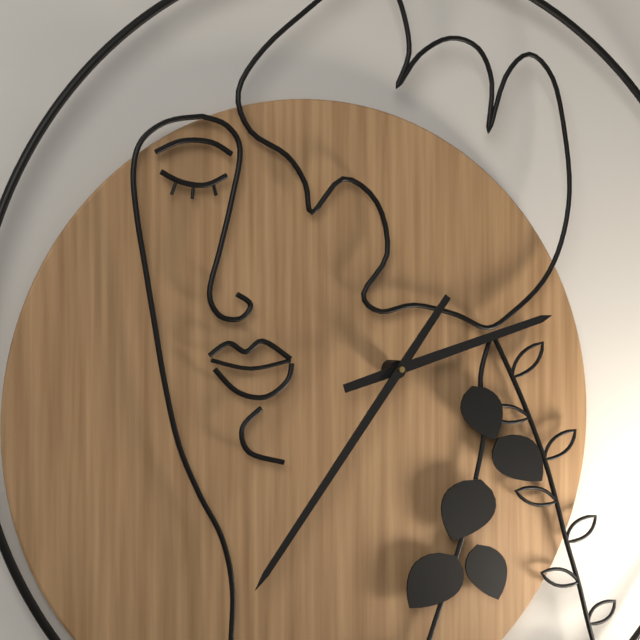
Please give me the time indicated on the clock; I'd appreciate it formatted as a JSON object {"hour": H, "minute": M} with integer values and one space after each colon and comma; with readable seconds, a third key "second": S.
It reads {"hour": 2, "minute": 37}
